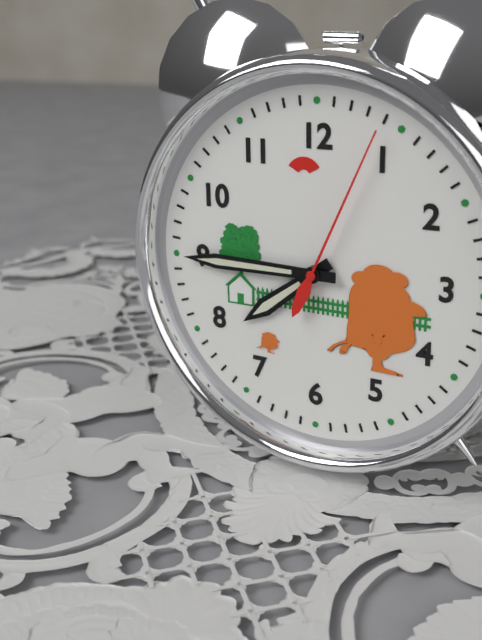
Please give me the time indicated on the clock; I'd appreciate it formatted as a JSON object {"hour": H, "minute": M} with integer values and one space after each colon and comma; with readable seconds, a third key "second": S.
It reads {"hour": 7, "minute": 45, "second": 4}
